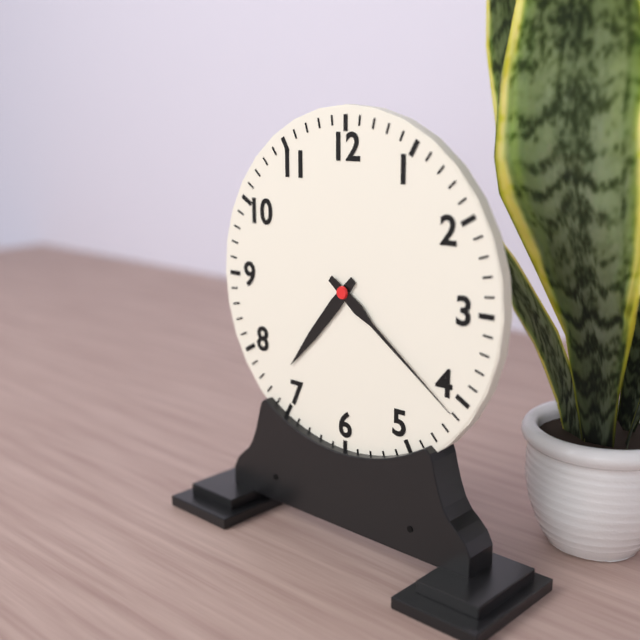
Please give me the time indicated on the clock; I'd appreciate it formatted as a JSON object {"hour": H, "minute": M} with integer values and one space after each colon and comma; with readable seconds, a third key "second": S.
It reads {"hour": 7, "minute": 21}
